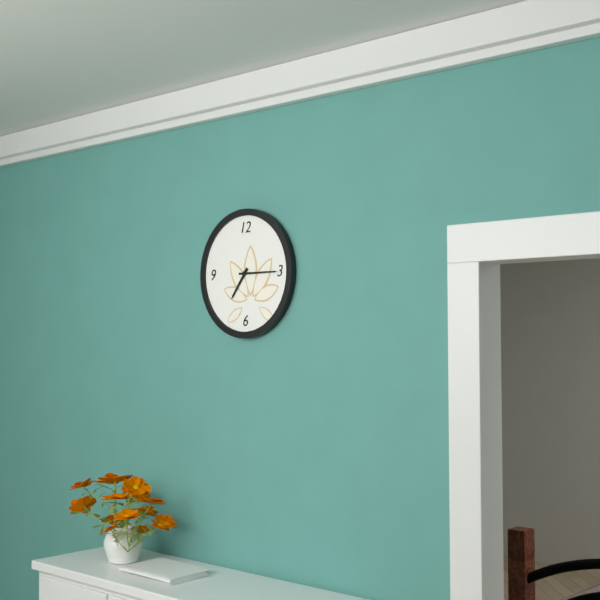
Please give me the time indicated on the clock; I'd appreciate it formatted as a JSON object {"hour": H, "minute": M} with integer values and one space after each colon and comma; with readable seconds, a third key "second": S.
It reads {"hour": 7, "minute": 15}
